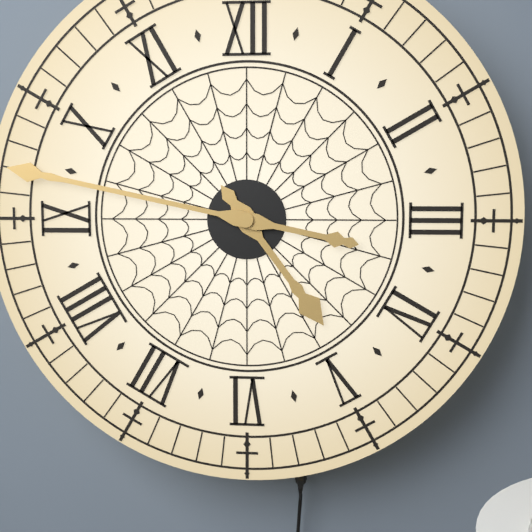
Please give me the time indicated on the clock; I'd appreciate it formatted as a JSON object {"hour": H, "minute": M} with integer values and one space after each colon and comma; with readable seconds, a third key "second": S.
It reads {"hour": 4, "minute": 47}
